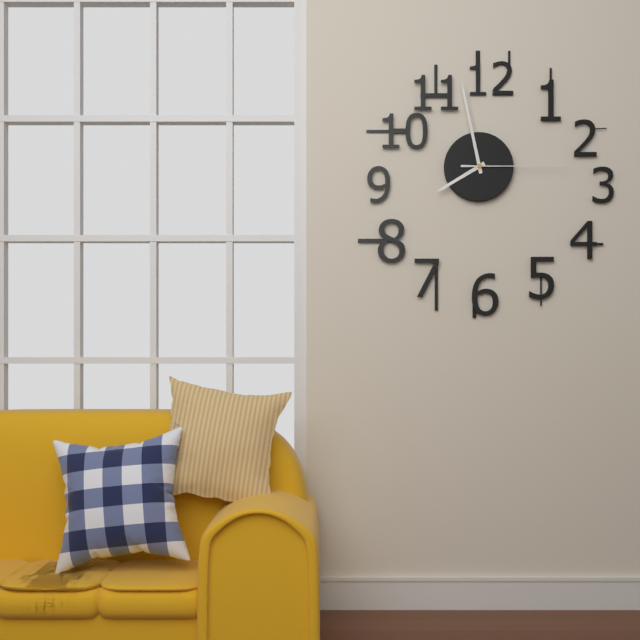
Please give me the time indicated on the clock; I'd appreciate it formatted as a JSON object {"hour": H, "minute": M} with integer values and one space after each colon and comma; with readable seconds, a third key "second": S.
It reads {"hour": 7, "minute": 58, "second": 15}
